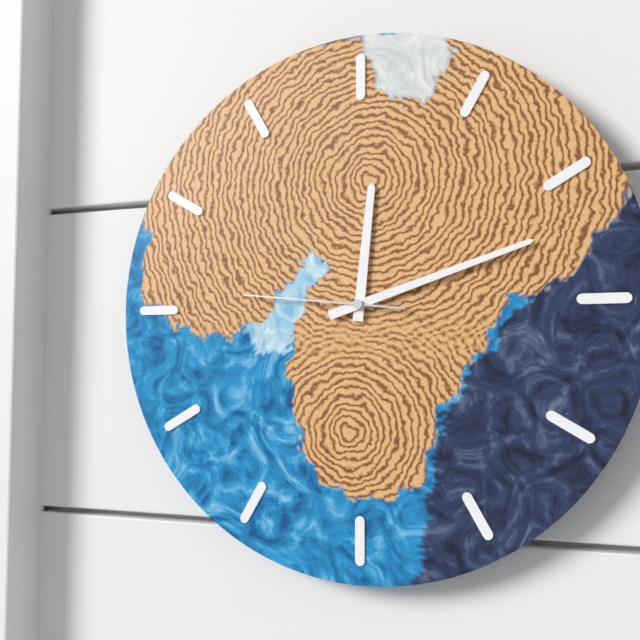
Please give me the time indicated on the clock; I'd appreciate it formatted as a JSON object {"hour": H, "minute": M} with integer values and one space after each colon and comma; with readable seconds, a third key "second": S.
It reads {"hour": 12, "minute": 12, "second": 46}
